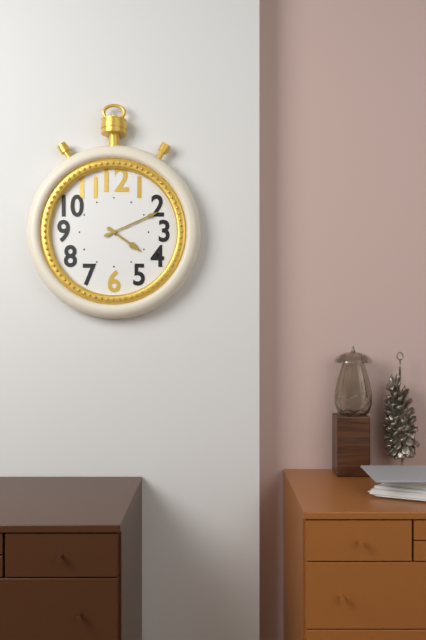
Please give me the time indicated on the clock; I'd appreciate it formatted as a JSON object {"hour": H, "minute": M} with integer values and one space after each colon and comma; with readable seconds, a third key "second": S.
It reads {"hour": 4, "minute": 11}
